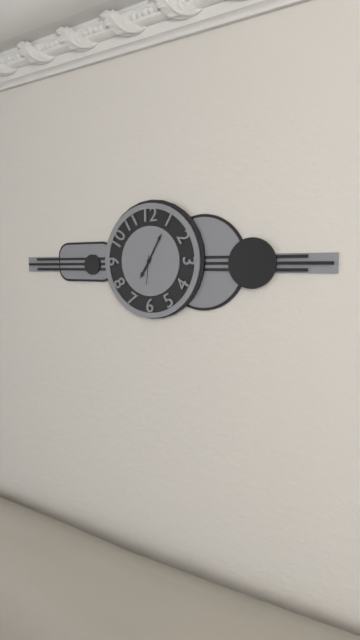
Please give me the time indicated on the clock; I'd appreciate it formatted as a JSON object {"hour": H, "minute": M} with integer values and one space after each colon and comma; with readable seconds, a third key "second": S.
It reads {"hour": 7, "minute": 5}
